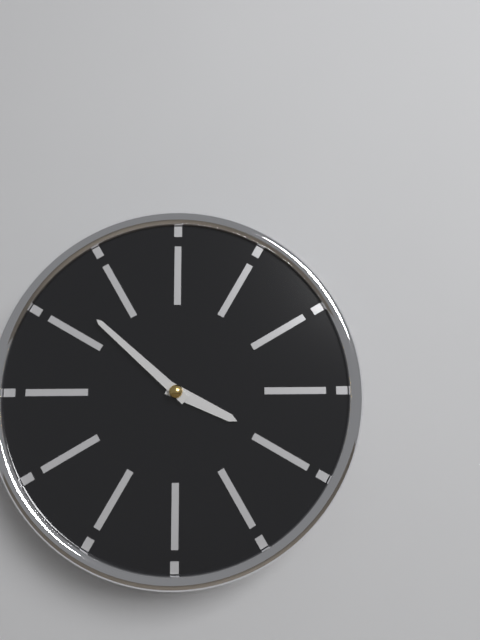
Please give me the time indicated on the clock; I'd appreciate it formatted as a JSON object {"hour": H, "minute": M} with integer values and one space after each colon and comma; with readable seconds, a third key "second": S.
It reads {"hour": 3, "minute": 52}
